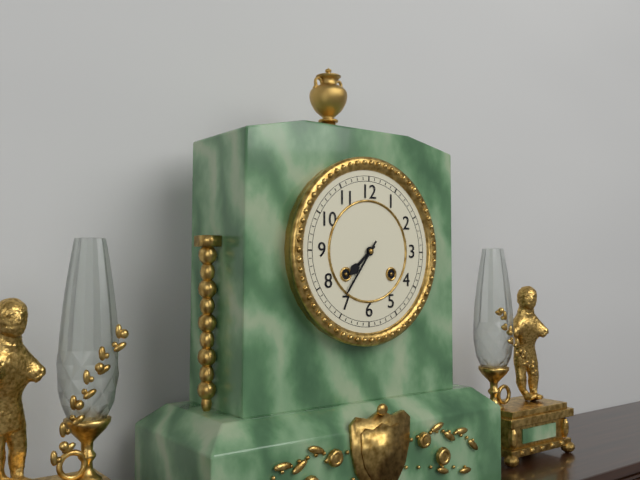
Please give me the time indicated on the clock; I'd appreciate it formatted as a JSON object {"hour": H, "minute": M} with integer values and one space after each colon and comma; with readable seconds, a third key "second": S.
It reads {"hour": 7, "minute": 36}
